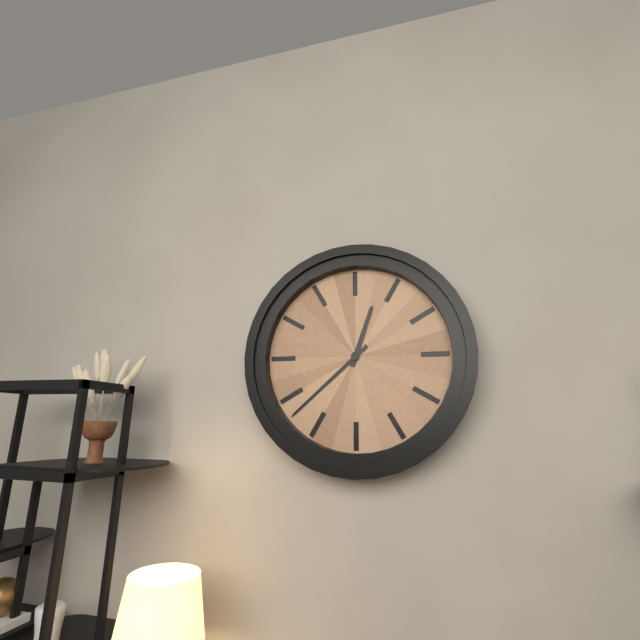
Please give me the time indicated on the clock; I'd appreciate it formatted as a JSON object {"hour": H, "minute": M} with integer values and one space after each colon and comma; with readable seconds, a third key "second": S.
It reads {"hour": 12, "minute": 38}
